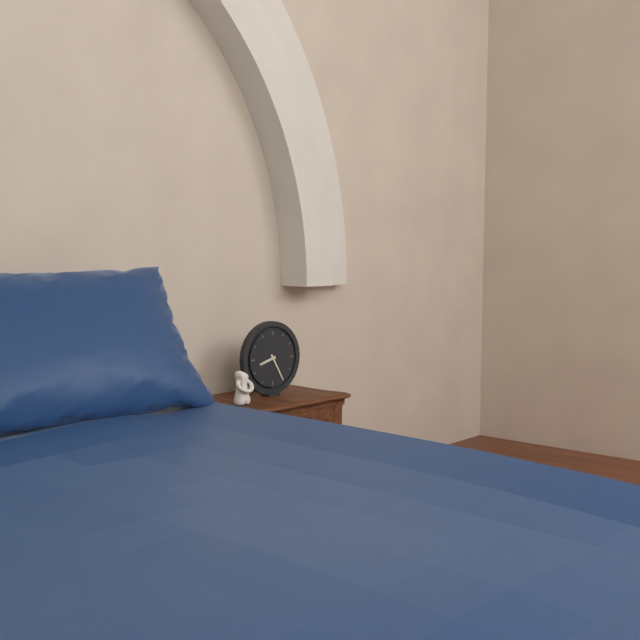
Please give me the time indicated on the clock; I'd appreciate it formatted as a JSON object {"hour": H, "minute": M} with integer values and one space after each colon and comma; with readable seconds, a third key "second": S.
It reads {"hour": 8, "minute": 25}
